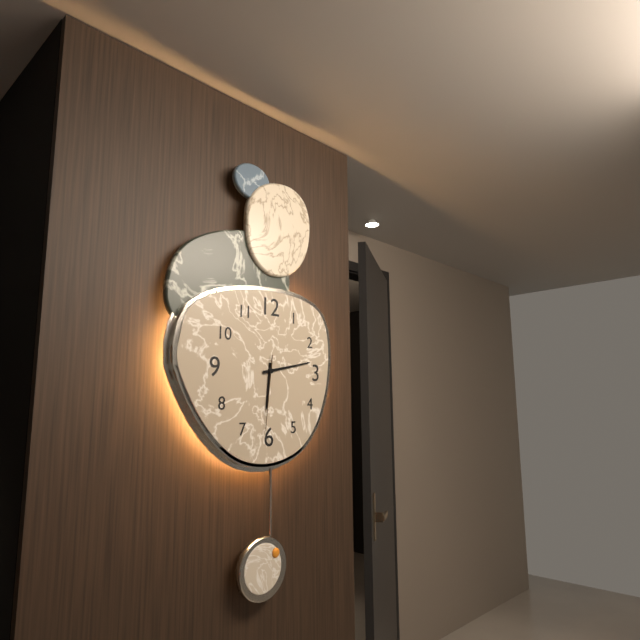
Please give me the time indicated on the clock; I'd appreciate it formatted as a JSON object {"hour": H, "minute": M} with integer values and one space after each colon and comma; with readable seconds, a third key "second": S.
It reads {"hour": 6, "minute": 13, "second": 31}
